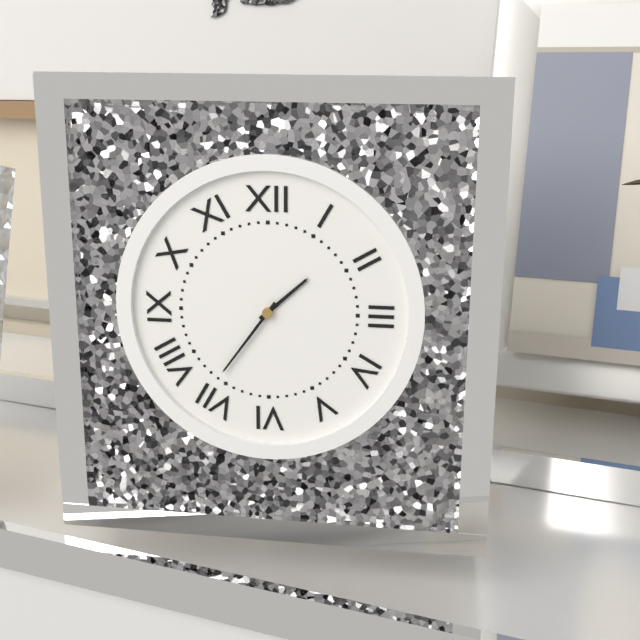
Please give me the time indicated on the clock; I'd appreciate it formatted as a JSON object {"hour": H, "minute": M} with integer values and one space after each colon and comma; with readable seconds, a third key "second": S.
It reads {"hour": 1, "minute": 36}
